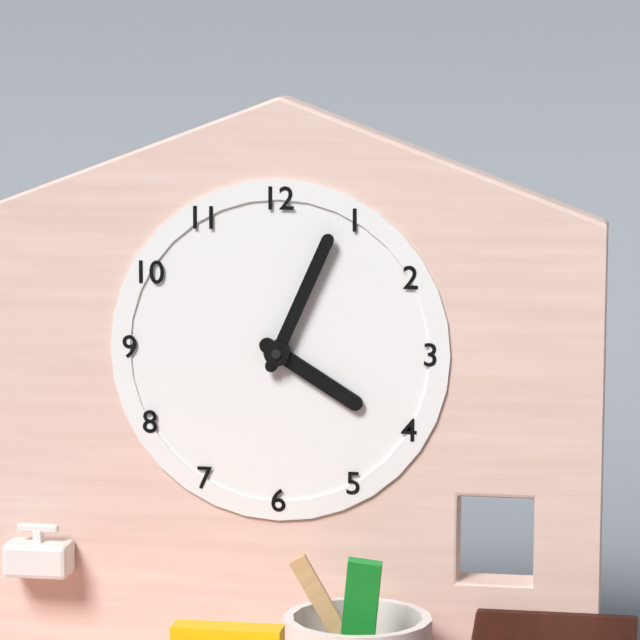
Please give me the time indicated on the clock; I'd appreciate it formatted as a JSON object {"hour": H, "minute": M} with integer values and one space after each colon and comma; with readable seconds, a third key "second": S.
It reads {"hour": 4, "minute": 4}
